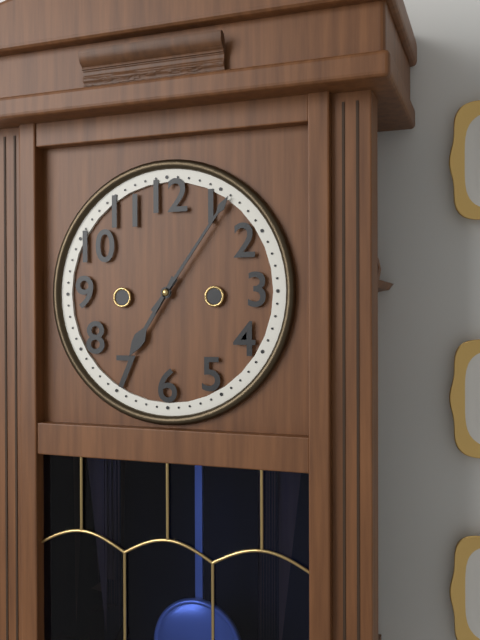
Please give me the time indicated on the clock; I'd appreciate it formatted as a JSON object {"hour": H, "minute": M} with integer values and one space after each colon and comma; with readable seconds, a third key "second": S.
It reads {"hour": 7, "minute": 6}
